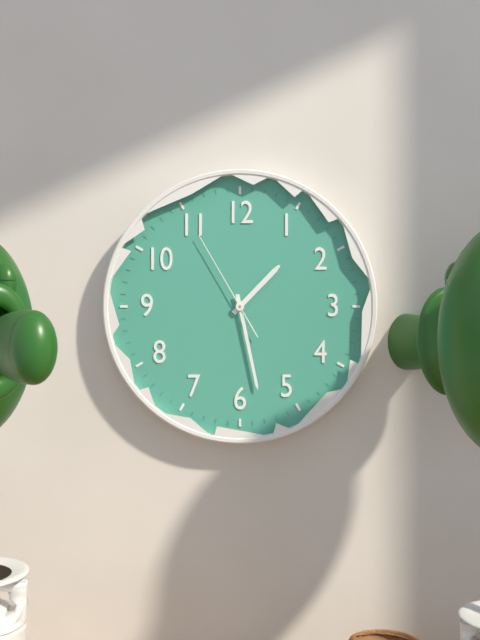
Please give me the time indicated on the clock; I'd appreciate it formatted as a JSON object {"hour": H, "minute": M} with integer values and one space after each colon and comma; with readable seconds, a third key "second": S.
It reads {"hour": 1, "minute": 28, "second": 55}
